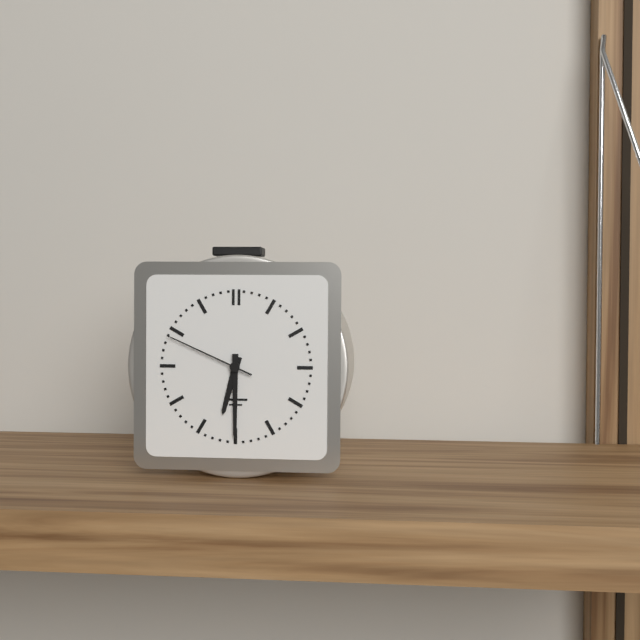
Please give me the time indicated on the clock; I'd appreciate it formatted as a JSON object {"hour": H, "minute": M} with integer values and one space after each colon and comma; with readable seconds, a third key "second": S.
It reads {"hour": 6, "minute": 30, "second": 49}
